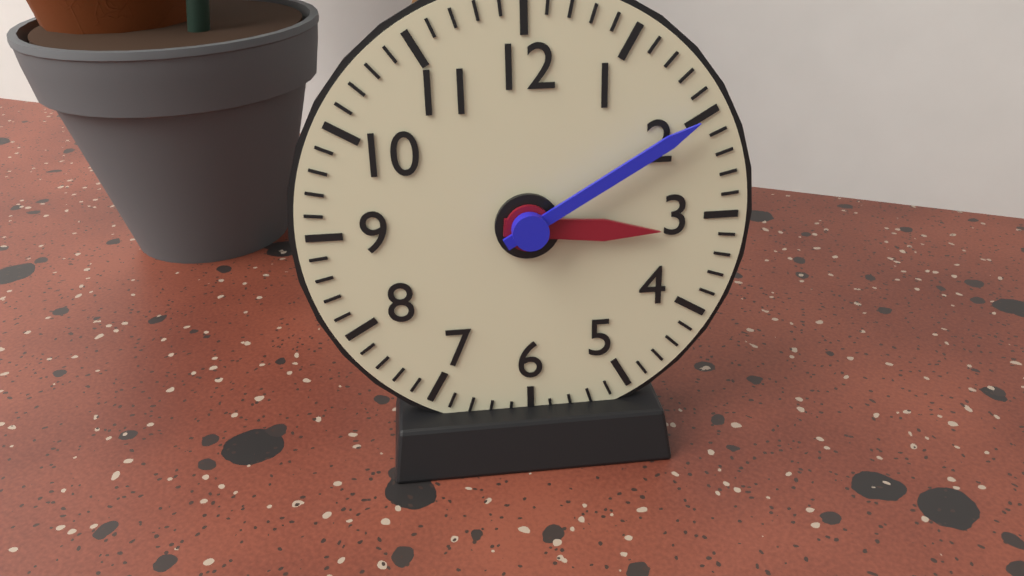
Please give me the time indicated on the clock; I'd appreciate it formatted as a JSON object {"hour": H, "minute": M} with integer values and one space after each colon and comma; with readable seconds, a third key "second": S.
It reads {"hour": 3, "minute": 10}
